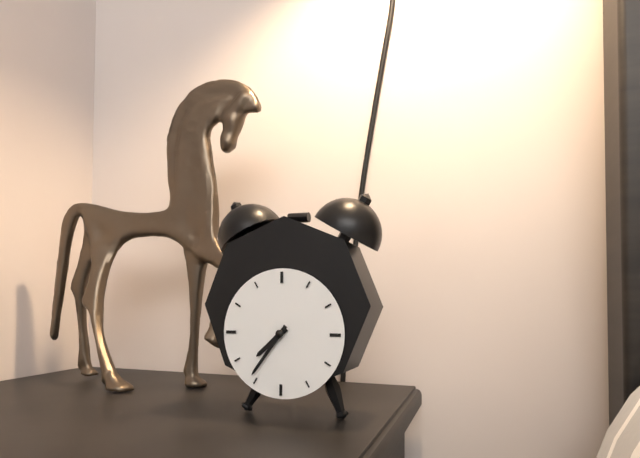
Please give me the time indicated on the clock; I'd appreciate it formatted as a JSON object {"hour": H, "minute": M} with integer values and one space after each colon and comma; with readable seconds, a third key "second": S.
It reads {"hour": 7, "minute": 36}
